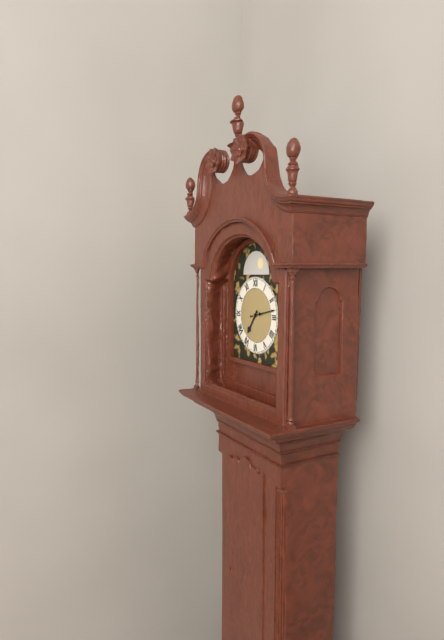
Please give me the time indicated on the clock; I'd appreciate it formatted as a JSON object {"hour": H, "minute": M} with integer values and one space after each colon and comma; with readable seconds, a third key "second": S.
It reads {"hour": 7, "minute": 13}
